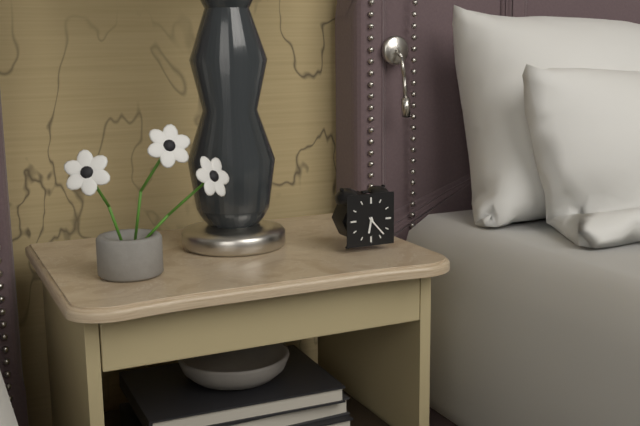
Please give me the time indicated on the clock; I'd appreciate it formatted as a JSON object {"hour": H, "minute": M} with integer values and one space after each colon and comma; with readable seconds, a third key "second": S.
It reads {"hour": 6, "minute": 23}
